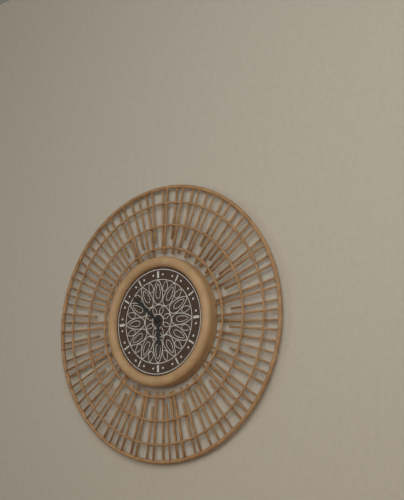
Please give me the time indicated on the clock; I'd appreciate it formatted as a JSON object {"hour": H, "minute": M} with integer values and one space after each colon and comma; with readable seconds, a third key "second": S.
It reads {"hour": 5, "minute": 52}
